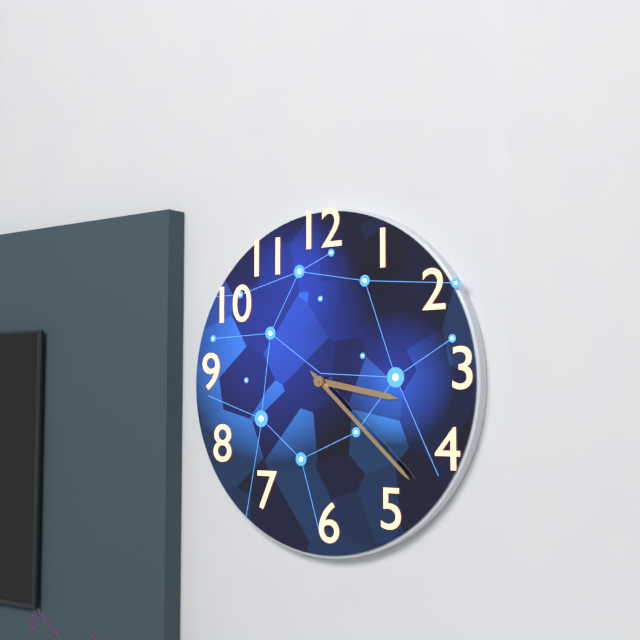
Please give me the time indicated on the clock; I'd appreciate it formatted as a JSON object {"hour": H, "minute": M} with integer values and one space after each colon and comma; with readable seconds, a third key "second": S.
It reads {"hour": 3, "minute": 22}
